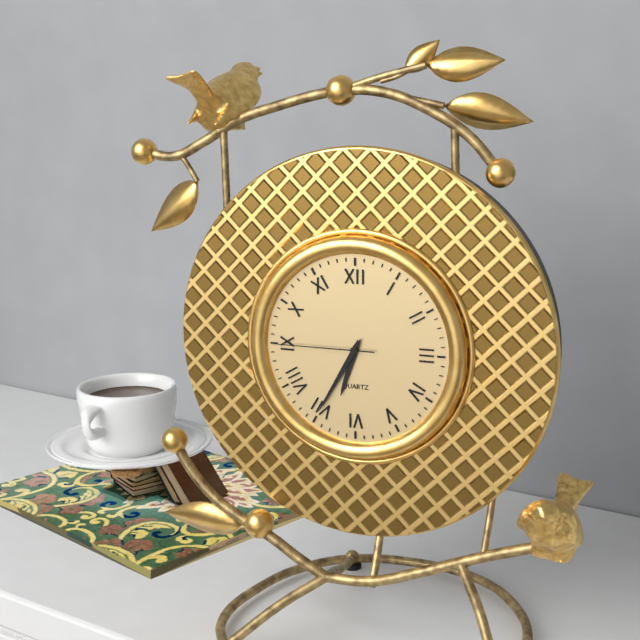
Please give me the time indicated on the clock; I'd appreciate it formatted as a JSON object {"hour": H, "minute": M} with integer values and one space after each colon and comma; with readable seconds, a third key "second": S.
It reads {"hour": 6, "minute": 35, "second": 45}
